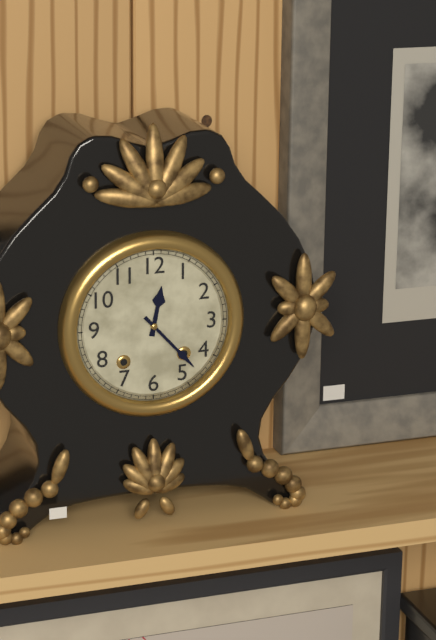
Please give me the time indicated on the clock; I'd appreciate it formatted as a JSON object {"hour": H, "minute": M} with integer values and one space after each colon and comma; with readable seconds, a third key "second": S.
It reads {"hour": 12, "minute": 23}
